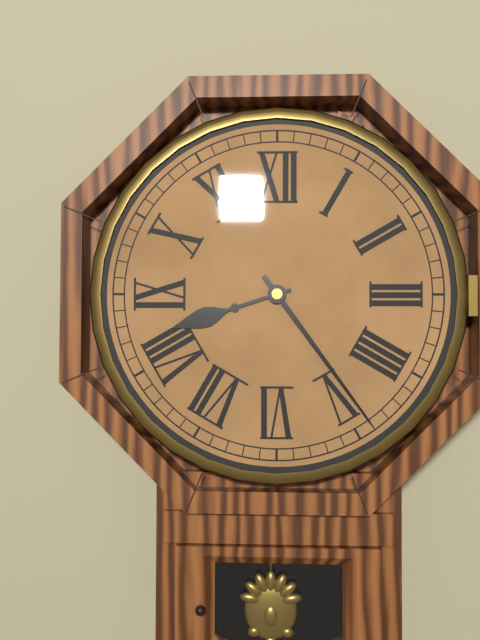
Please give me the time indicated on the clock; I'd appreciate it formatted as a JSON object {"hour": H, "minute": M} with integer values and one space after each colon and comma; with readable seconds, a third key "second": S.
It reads {"hour": 8, "minute": 24}
